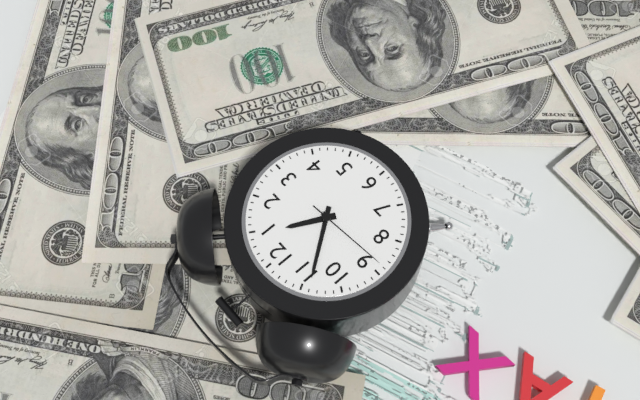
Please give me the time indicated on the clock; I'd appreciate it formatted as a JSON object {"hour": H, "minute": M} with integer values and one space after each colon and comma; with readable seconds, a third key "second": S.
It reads {"hour": 12, "minute": 54, "second": 44}
